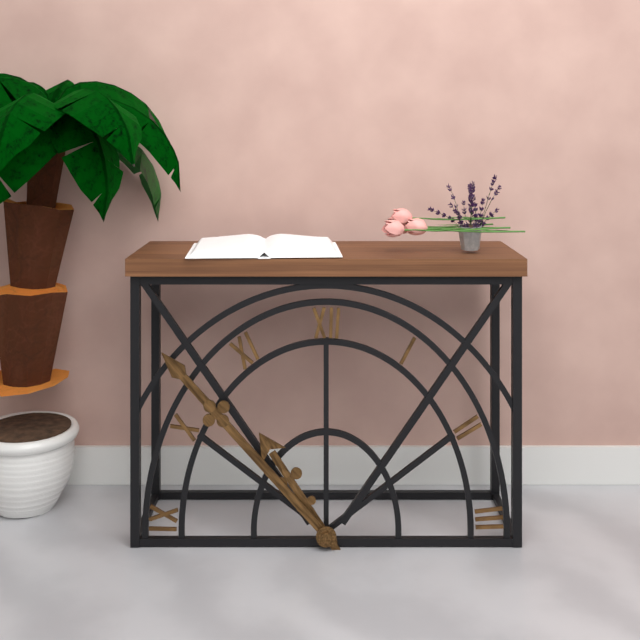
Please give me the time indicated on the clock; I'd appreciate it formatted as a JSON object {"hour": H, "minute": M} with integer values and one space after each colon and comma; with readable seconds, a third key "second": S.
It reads {"hour": 10, "minute": 53}
